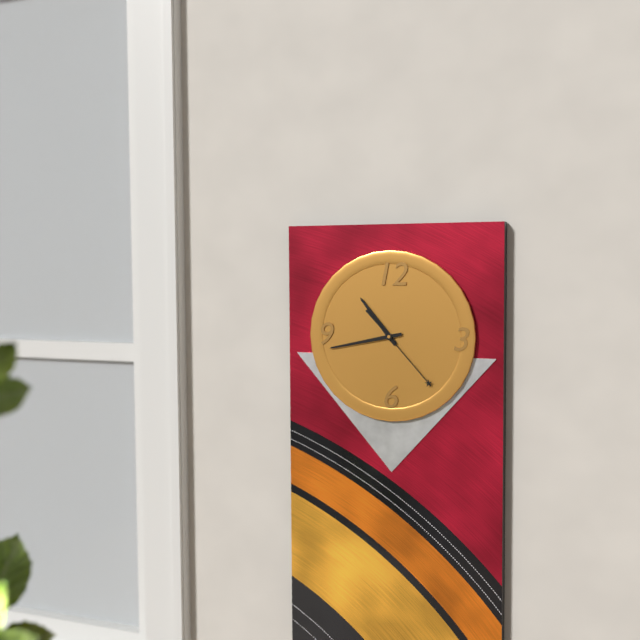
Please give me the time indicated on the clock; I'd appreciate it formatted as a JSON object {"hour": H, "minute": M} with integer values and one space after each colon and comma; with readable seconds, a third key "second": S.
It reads {"hour": 10, "minute": 43, "second": 23}
